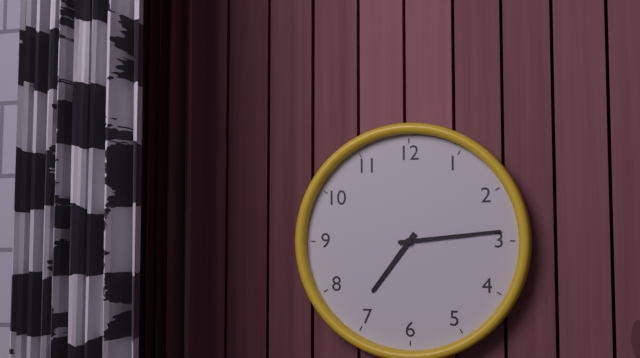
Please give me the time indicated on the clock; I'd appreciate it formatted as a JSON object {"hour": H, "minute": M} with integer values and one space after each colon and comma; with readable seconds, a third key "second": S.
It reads {"hour": 7, "minute": 14}
